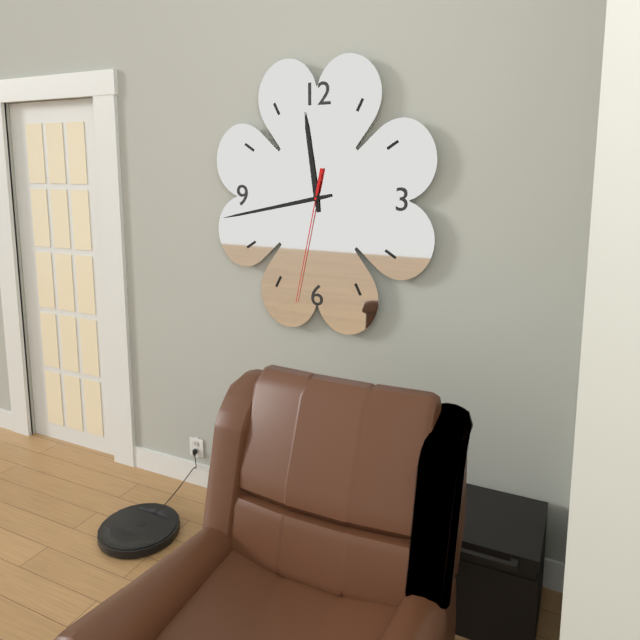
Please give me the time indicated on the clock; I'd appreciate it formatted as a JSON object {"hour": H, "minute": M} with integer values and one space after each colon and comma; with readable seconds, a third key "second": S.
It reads {"hour": 11, "minute": 43, "second": 32}
